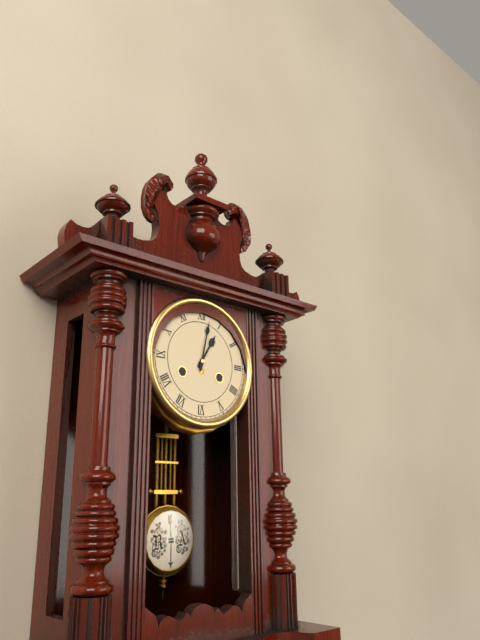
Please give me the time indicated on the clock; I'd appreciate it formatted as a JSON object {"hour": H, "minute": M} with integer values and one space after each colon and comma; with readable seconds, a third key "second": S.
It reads {"hour": 1, "minute": 2}
